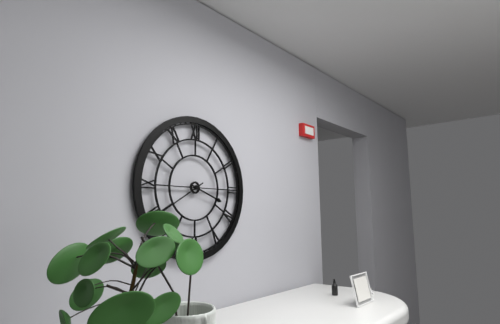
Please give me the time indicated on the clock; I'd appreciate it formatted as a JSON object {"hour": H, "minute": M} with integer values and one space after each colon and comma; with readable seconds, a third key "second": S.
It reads {"hour": 3, "minute": 40}
